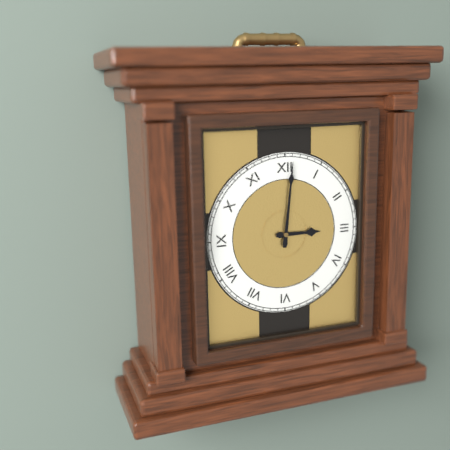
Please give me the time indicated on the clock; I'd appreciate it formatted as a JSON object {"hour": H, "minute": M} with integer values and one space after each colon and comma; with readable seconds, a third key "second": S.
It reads {"hour": 3, "minute": 1}
